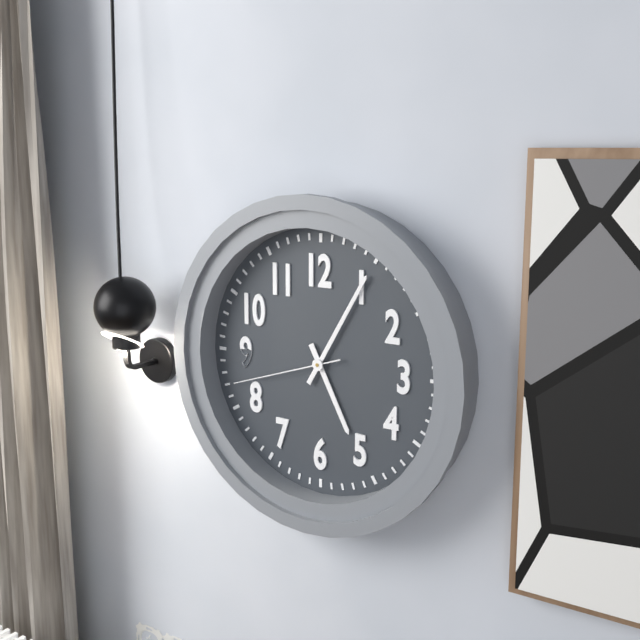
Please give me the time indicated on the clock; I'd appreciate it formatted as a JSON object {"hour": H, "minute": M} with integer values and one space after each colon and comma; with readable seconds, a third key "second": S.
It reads {"hour": 5, "minute": 5, "second": 42}
